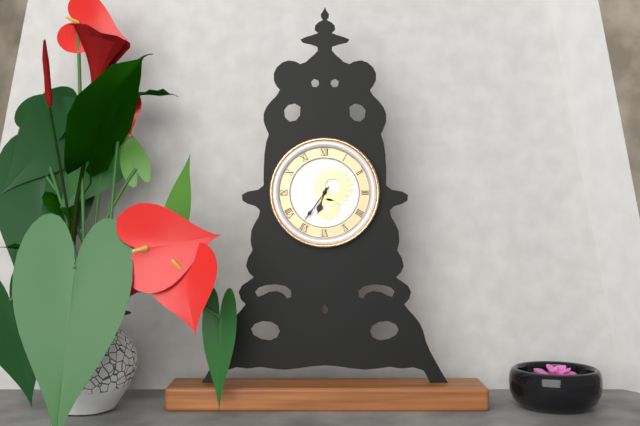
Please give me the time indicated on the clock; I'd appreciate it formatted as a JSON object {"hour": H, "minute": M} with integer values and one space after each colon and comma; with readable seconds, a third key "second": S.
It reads {"hour": 6, "minute": 36}
